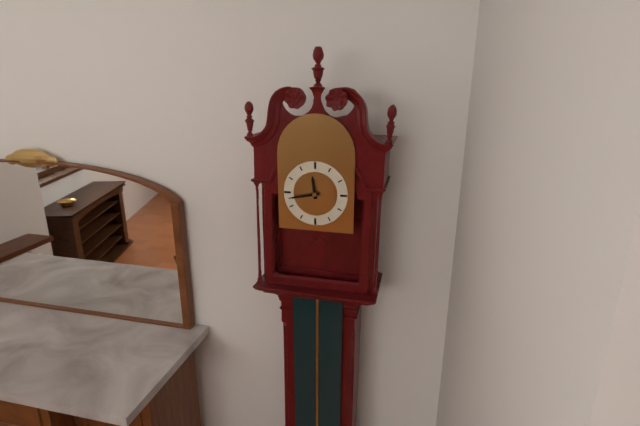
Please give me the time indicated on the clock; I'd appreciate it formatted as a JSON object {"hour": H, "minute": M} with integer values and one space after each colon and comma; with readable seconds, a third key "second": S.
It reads {"hour": 11, "minute": 43}
